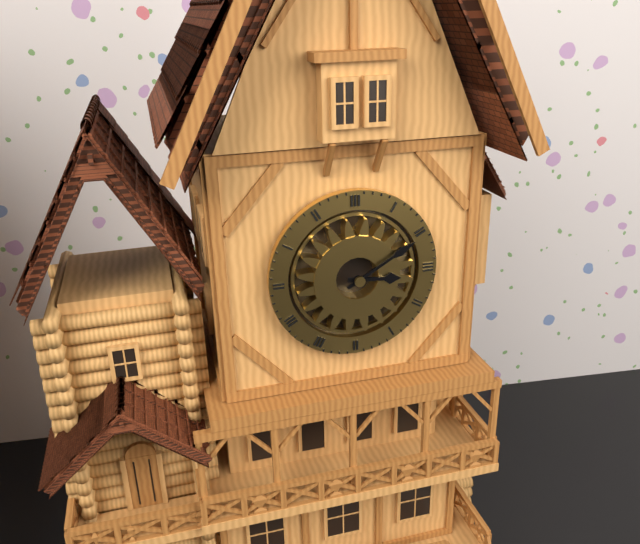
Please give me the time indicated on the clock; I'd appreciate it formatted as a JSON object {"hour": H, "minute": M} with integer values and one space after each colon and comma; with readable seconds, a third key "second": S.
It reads {"hour": 3, "minute": 10}
